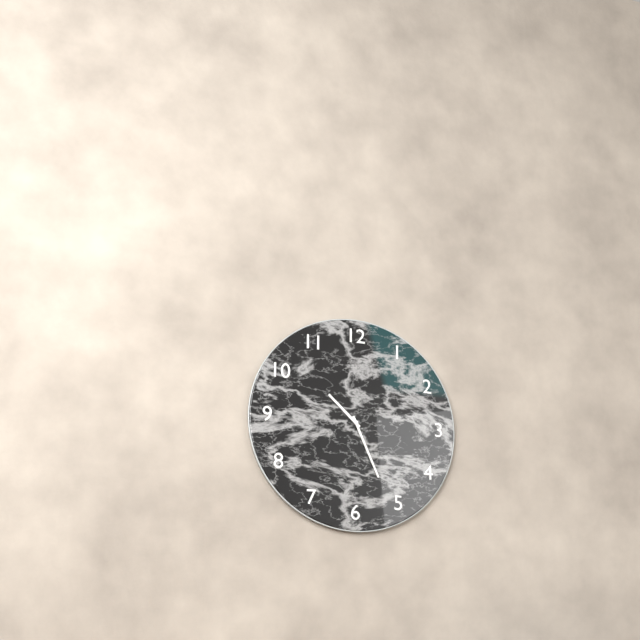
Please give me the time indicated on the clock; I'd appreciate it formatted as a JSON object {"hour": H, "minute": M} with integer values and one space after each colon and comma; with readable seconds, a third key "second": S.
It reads {"hour": 10, "minute": 26}
